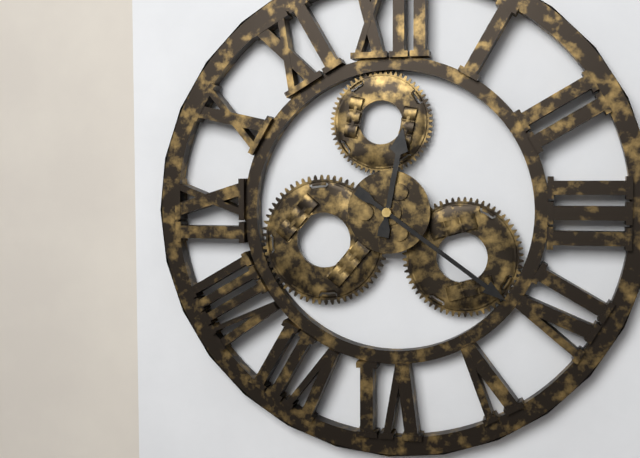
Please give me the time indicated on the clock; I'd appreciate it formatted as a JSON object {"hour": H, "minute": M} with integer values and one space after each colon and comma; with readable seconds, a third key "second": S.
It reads {"hour": 12, "minute": 21}
